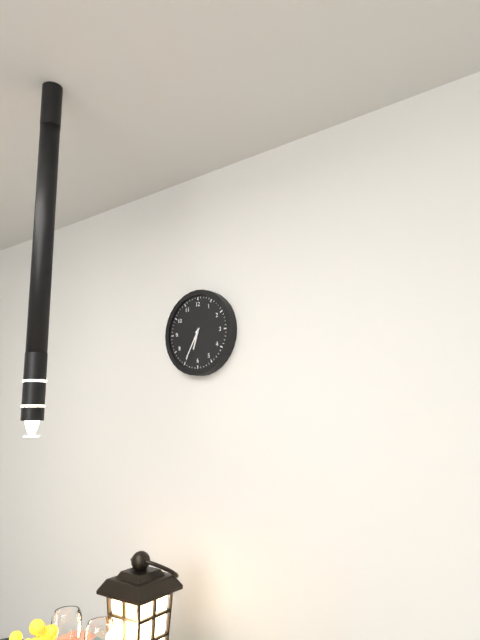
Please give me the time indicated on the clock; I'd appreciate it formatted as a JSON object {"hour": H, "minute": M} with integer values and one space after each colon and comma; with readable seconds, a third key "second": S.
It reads {"hour": 6, "minute": 35}
